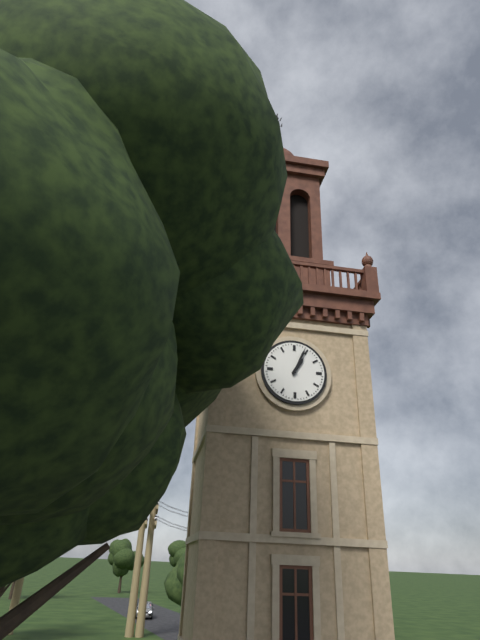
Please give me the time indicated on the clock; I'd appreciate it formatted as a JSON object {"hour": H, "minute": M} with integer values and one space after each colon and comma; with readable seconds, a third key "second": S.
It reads {"hour": 1, "minute": 4}
